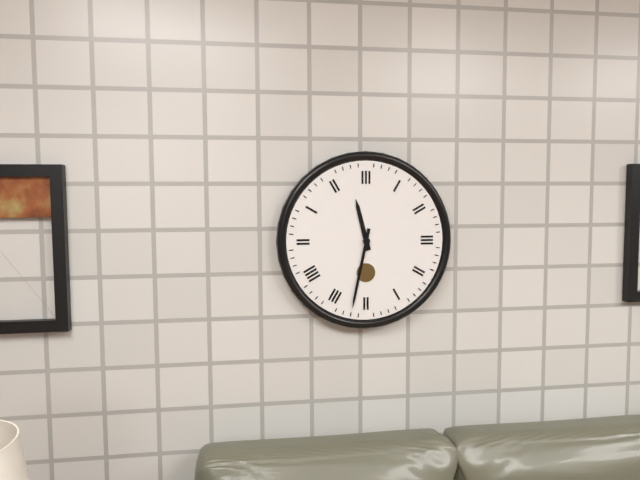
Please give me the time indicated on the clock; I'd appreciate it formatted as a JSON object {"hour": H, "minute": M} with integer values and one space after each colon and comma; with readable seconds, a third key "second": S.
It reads {"hour": 11, "minute": 32}
